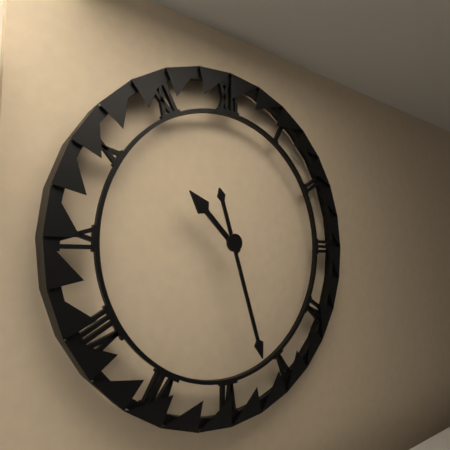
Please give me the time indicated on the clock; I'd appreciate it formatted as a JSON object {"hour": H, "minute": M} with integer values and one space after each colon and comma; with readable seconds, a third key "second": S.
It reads {"hour": 10, "minute": 27}
